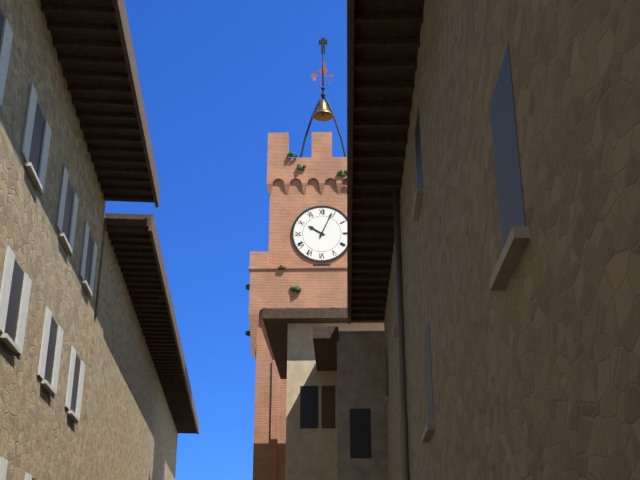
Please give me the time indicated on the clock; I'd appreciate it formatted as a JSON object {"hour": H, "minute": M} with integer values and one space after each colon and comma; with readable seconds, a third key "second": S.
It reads {"hour": 10, "minute": 4}
